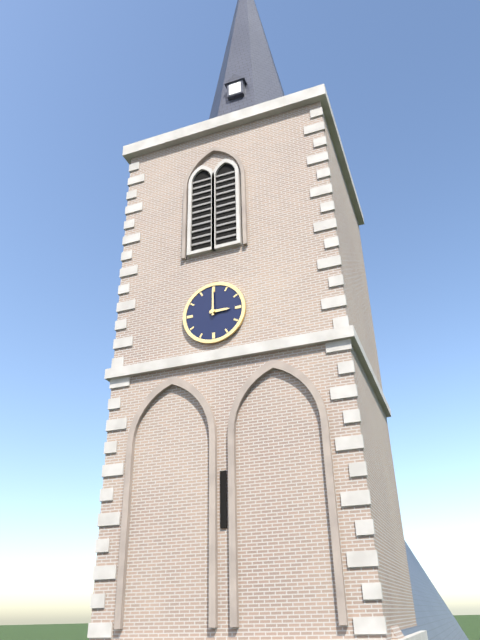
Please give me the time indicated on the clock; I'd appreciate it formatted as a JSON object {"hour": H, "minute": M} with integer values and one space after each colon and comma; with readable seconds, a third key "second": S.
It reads {"hour": 3, "minute": 0}
